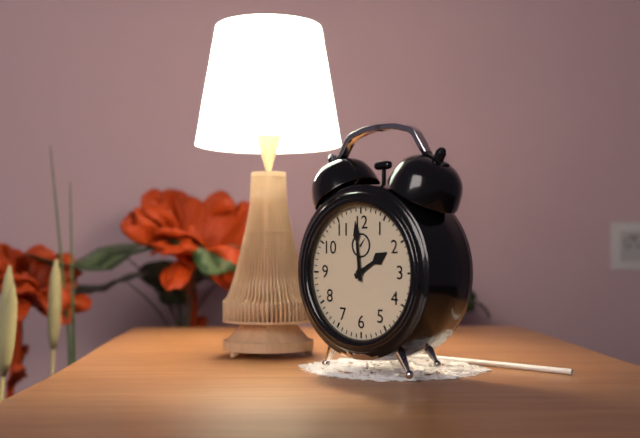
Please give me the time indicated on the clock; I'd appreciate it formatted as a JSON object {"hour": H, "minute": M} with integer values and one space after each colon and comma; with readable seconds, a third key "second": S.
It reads {"hour": 1, "minute": 59}
